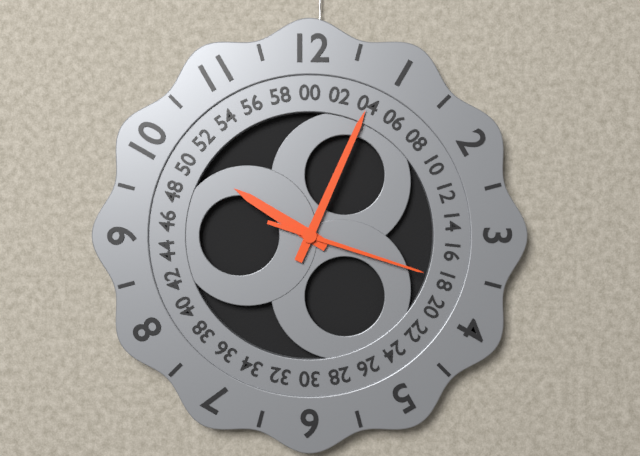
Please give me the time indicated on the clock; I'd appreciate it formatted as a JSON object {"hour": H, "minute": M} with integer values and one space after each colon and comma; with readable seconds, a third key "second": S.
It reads {"hour": 10, "minute": 4, "second": 18}
